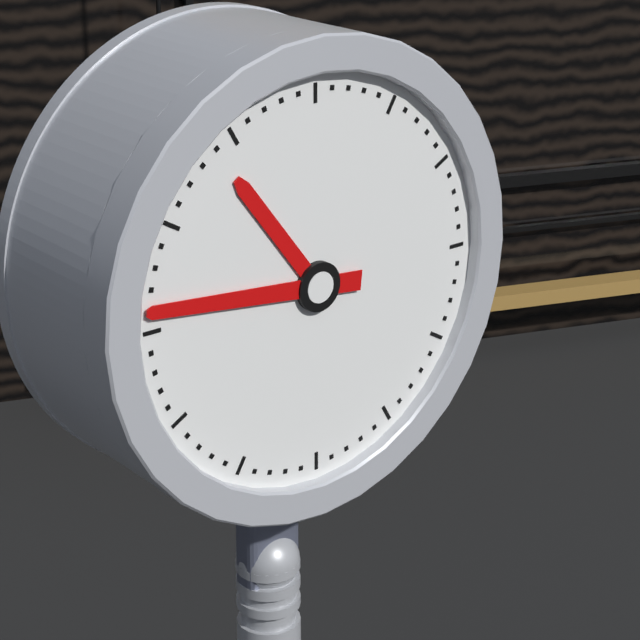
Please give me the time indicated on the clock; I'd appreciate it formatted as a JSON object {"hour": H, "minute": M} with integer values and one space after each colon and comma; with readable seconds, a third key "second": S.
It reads {"hour": 10, "minute": 46}
